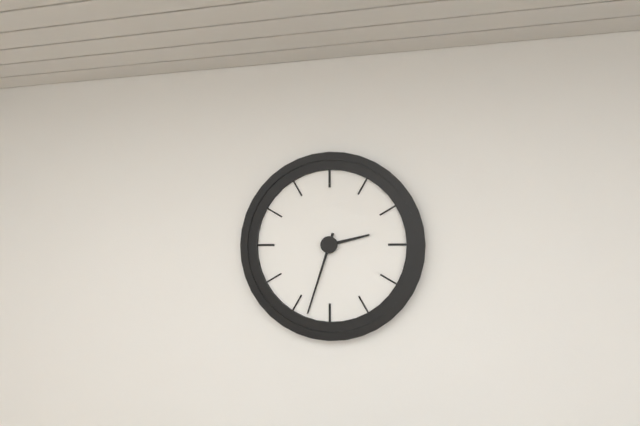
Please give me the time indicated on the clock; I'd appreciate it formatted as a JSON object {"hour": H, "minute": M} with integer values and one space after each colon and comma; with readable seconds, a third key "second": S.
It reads {"hour": 2, "minute": 33}
